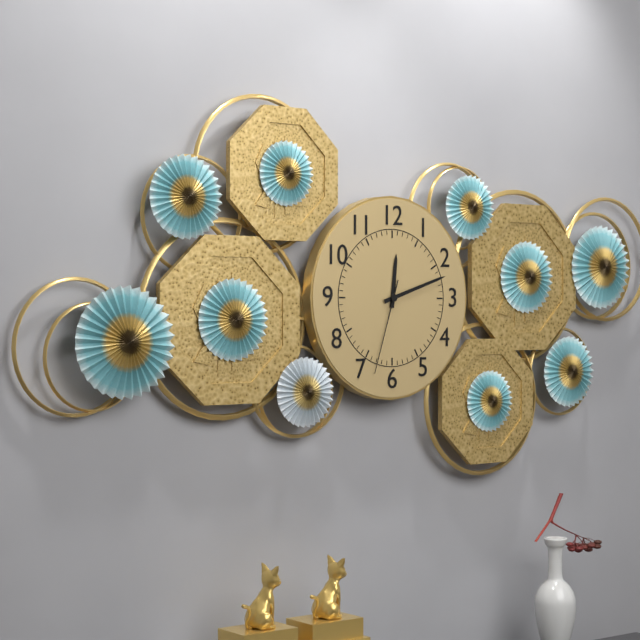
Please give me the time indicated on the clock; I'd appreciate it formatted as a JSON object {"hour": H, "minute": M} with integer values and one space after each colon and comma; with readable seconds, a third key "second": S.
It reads {"hour": 12, "minute": 12, "second": 33}
